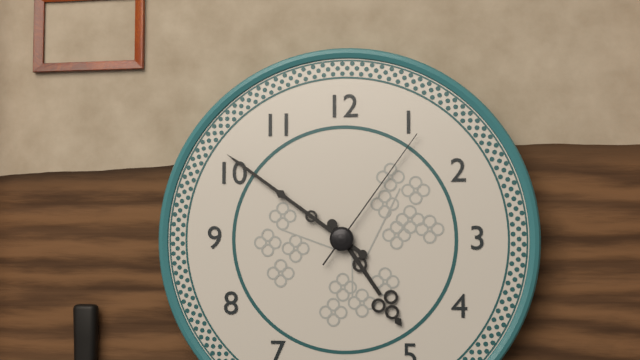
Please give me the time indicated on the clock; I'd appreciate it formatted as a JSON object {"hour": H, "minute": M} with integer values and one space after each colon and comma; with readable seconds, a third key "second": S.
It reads {"hour": 4, "minute": 51, "second": 6}
